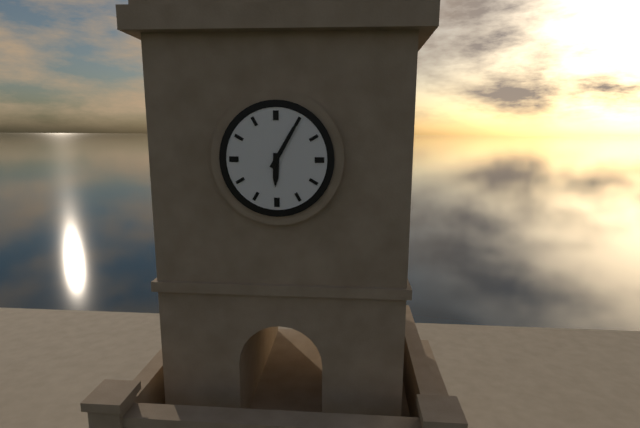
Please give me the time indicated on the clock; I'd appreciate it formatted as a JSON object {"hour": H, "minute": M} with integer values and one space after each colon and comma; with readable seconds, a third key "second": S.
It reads {"hour": 6, "minute": 5}
